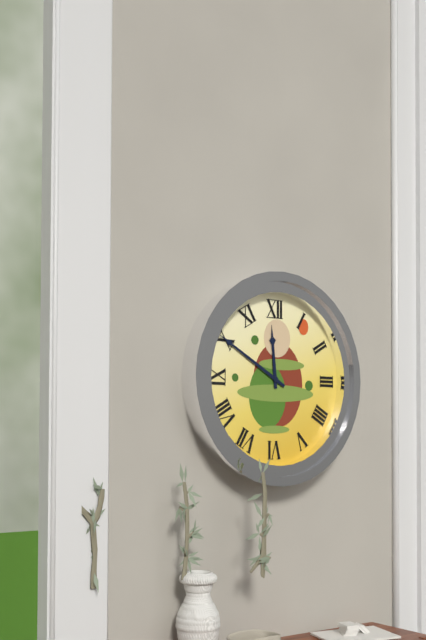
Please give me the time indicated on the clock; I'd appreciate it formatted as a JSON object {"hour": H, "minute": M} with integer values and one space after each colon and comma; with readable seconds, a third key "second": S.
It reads {"hour": 11, "minute": 50}
